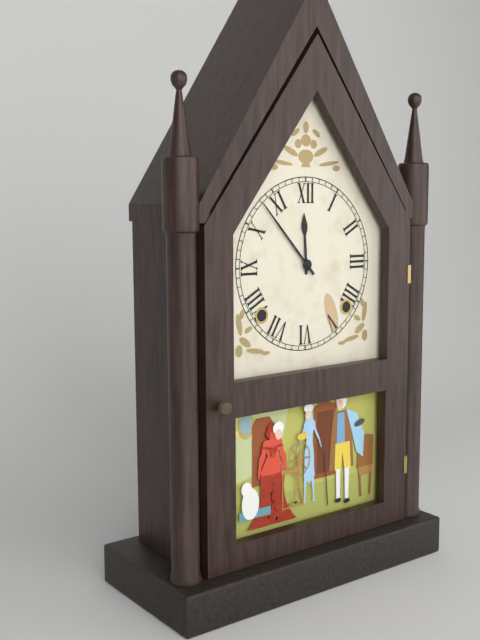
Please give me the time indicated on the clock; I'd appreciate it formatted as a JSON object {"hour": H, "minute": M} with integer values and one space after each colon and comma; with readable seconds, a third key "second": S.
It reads {"hour": 11, "minute": 53}
